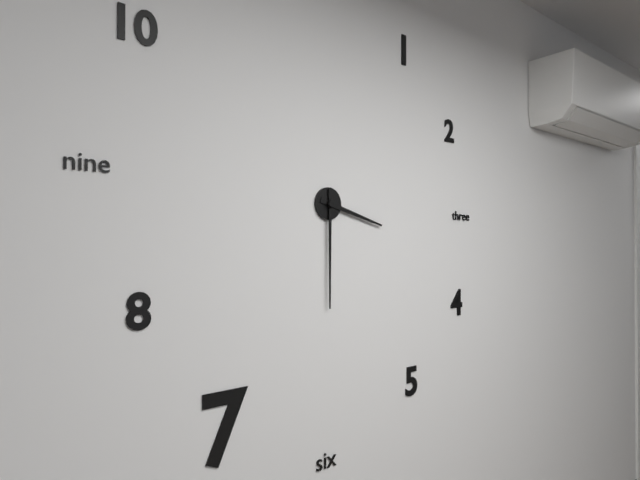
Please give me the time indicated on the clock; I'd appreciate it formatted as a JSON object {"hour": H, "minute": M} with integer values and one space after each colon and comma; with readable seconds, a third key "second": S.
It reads {"hour": 3, "minute": 30}
